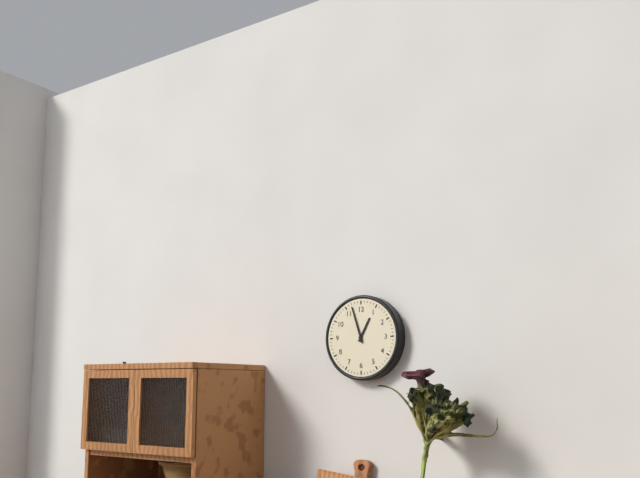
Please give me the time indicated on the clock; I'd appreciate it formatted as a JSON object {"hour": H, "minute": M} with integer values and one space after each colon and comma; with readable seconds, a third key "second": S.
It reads {"hour": 12, "minute": 57}
